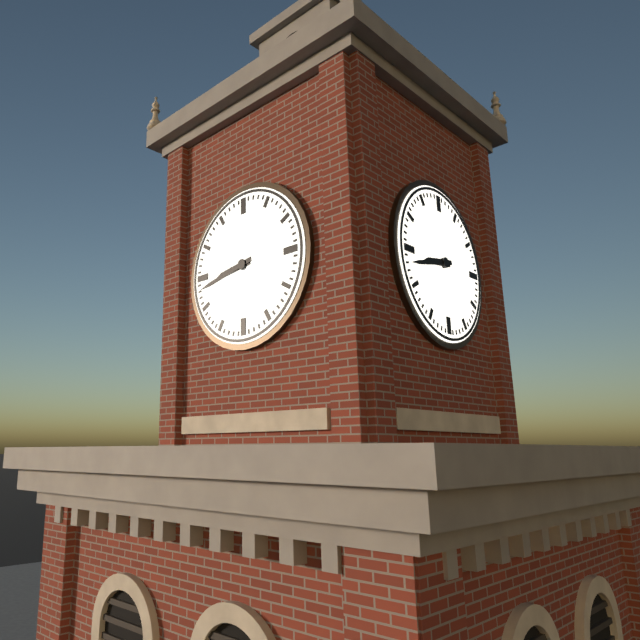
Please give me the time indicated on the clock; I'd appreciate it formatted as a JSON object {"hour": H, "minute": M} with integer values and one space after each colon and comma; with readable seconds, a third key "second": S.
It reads {"hour": 8, "minute": 43}
